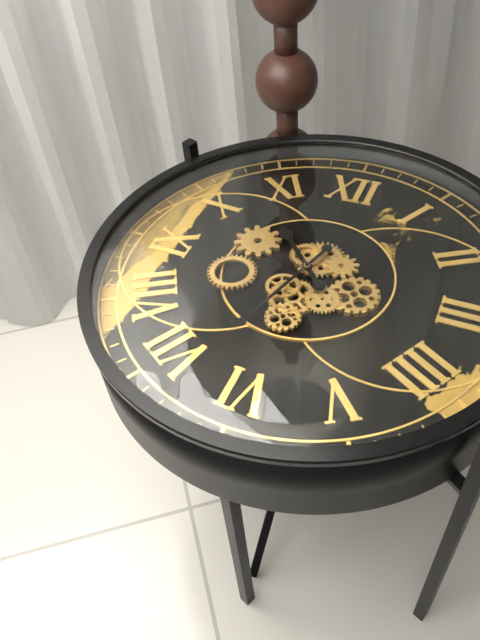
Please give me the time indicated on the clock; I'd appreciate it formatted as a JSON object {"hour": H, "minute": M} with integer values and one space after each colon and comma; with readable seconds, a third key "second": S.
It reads {"hour": 10, "minute": 33}
